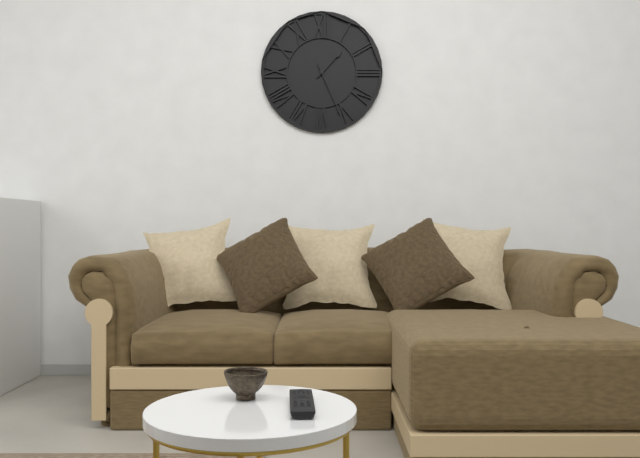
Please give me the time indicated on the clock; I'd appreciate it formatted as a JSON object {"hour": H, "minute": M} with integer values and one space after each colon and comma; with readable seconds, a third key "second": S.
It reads {"hour": 1, "minute": 26}
